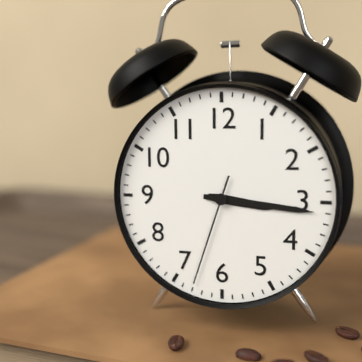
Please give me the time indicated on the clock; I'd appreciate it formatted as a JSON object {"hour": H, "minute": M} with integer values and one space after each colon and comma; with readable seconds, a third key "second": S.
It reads {"hour": 3, "minute": 16, "second": 33}
